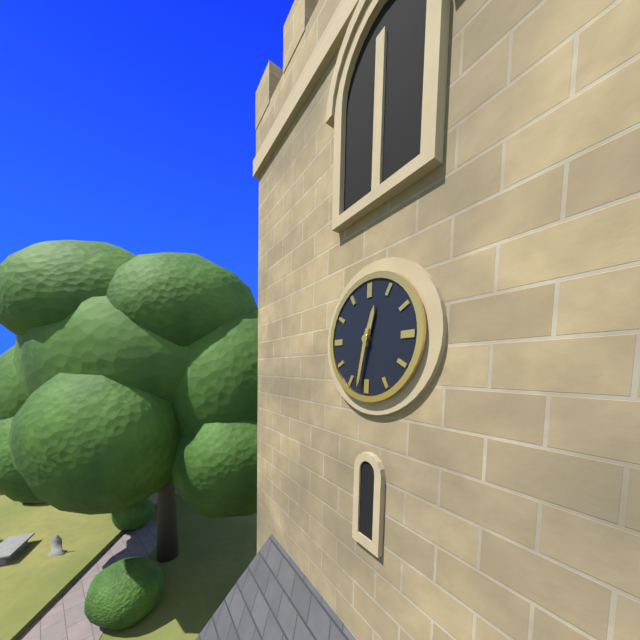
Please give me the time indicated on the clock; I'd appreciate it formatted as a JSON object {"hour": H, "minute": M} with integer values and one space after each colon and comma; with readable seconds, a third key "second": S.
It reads {"hour": 12, "minute": 32}
